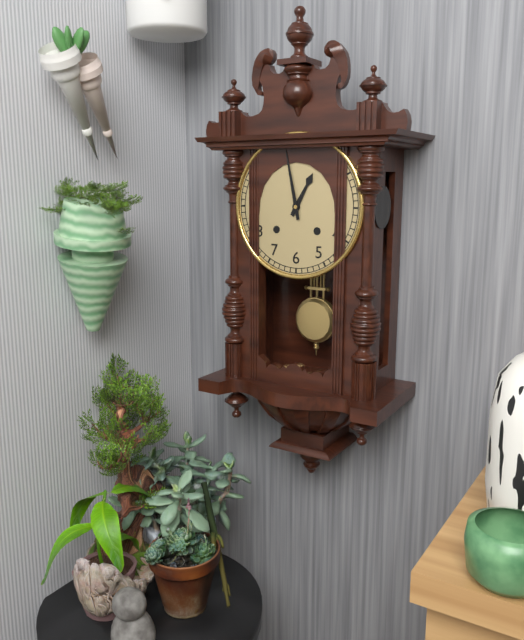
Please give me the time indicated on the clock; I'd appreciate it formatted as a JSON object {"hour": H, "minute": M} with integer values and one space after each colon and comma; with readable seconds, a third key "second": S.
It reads {"hour": 12, "minute": 58}
